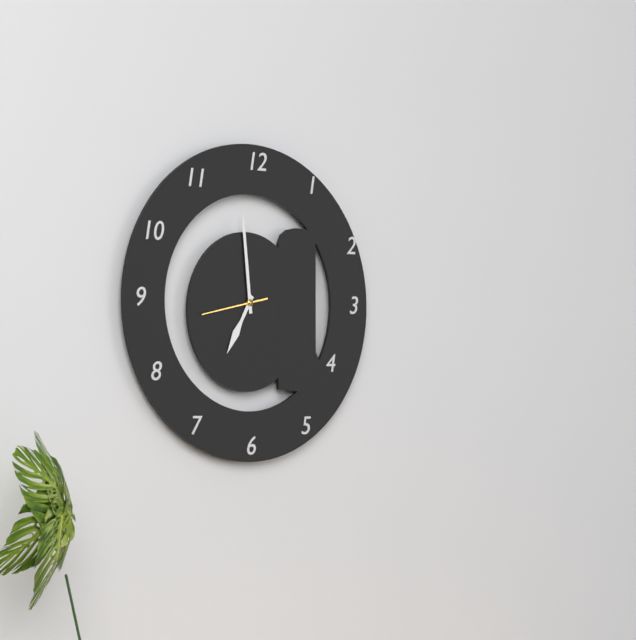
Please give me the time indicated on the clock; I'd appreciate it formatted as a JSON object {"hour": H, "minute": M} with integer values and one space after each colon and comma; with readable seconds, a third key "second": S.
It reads {"hour": 6, "minute": 59, "second": 43}
